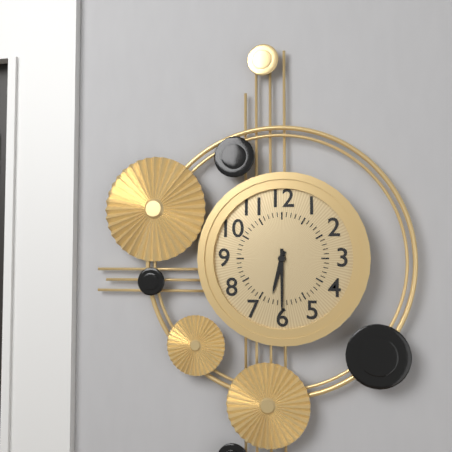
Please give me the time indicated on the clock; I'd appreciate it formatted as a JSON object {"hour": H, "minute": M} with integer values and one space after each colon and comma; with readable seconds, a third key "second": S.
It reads {"hour": 6, "minute": 30}
